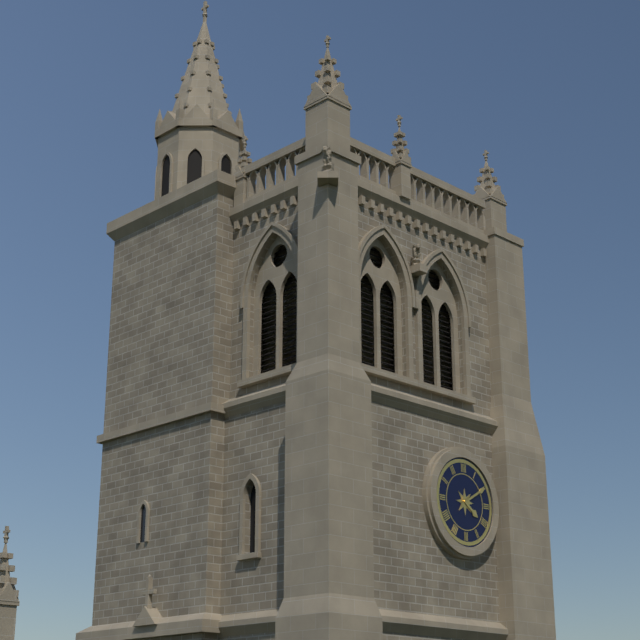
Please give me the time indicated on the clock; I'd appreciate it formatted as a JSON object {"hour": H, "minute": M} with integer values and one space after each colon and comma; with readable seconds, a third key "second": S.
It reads {"hour": 4, "minute": 10}
